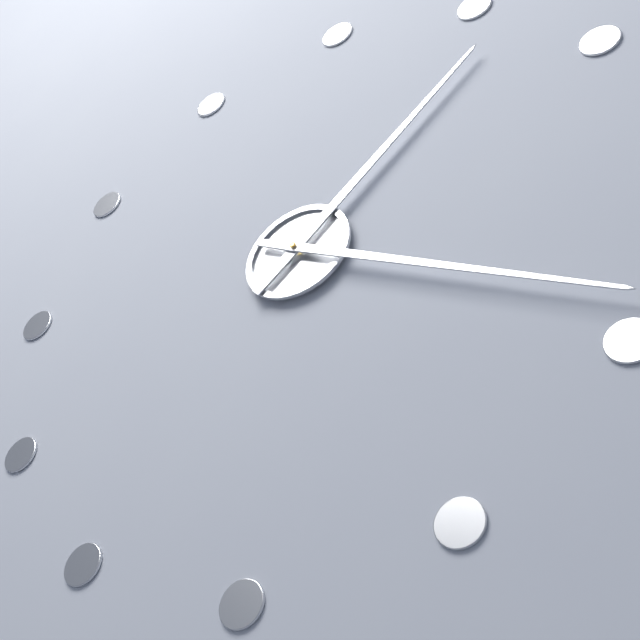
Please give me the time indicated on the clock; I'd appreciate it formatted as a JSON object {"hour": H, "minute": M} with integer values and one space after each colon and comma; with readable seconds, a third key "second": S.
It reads {"hour": 1, "minute": 19}
